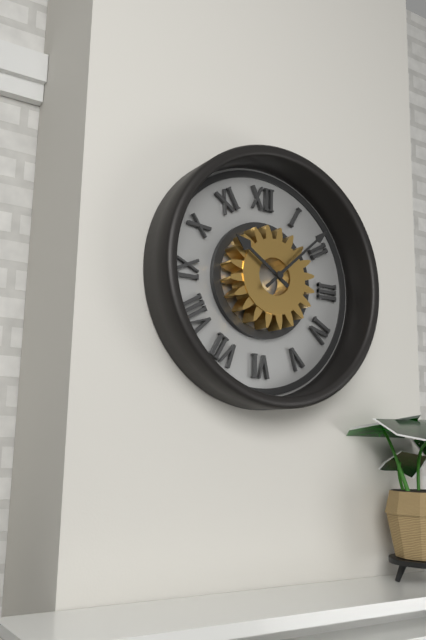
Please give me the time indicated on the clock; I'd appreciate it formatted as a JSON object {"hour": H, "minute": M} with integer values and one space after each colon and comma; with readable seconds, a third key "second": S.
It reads {"hour": 10, "minute": 8}
